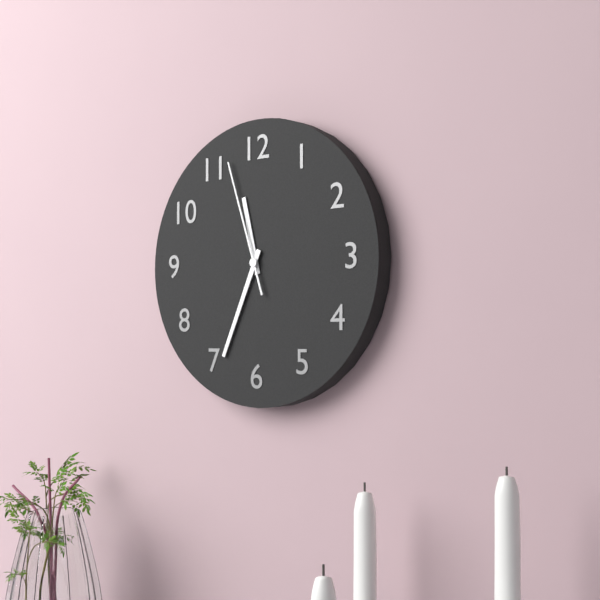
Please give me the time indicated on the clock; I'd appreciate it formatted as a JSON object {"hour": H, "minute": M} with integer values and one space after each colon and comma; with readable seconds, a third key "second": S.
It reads {"hour": 11, "minute": 34, "second": 57}
